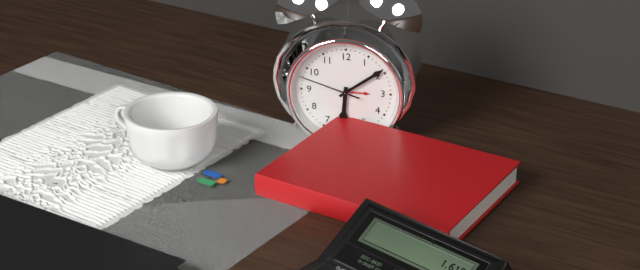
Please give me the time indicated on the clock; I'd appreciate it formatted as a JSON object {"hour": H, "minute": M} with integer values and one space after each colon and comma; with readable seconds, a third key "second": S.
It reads {"hour": 6, "minute": 9, "second": 48}
